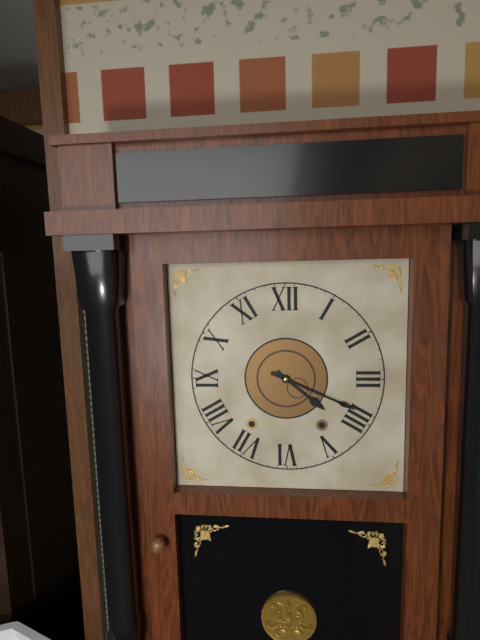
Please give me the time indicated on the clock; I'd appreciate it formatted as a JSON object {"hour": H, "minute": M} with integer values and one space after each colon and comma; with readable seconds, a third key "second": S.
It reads {"hour": 4, "minute": 19}
